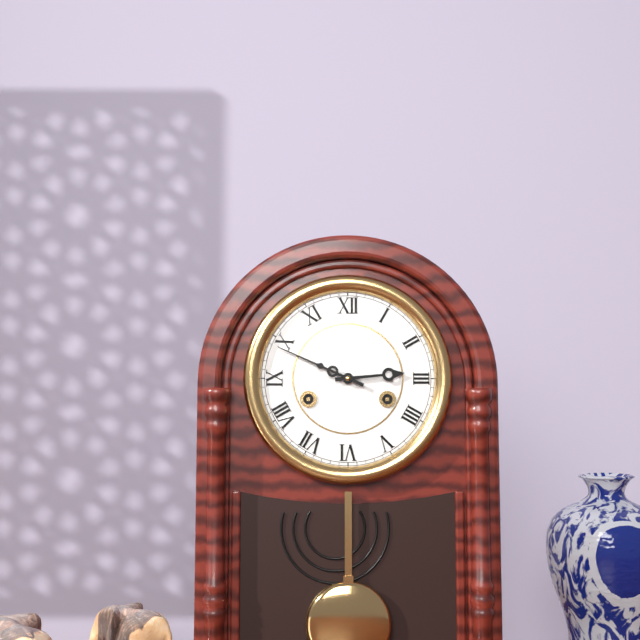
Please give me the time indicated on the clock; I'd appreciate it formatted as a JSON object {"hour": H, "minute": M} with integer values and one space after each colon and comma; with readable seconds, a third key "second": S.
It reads {"hour": 2, "minute": 49}
